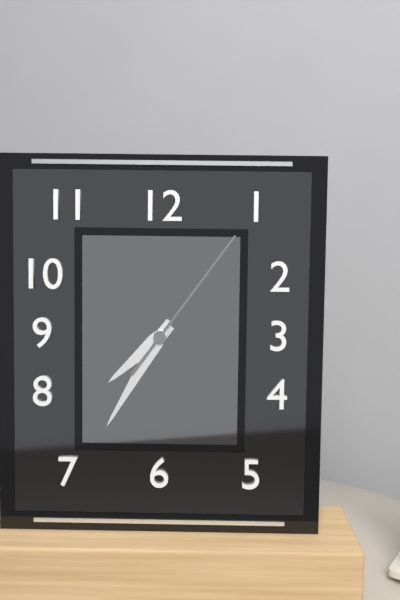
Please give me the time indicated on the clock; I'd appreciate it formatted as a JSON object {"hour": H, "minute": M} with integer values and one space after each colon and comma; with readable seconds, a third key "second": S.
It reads {"hour": 7, "minute": 35, "second": 6}
